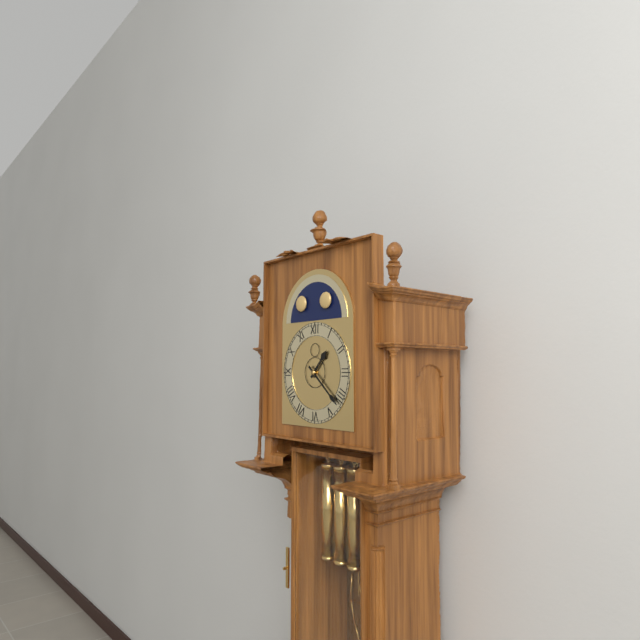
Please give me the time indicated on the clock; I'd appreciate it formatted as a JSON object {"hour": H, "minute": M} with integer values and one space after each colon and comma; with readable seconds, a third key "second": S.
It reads {"hour": 1, "minute": 22}
